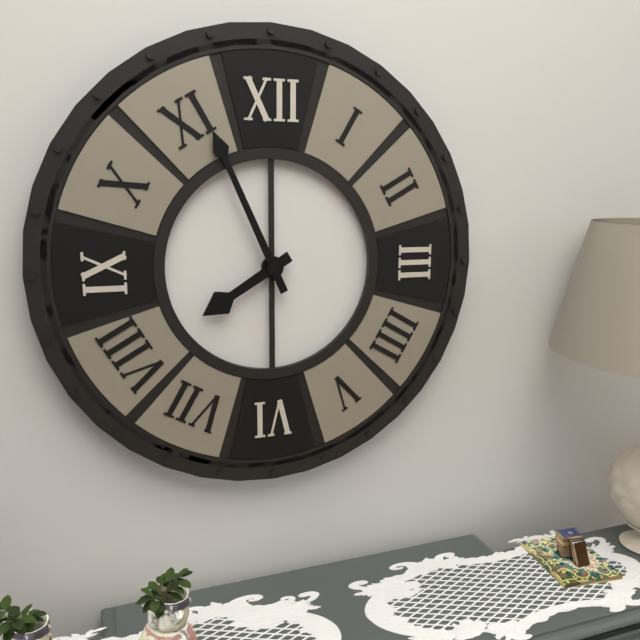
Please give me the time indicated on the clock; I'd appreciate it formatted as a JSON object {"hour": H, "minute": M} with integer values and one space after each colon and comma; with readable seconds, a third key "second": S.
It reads {"hour": 7, "minute": 56}
